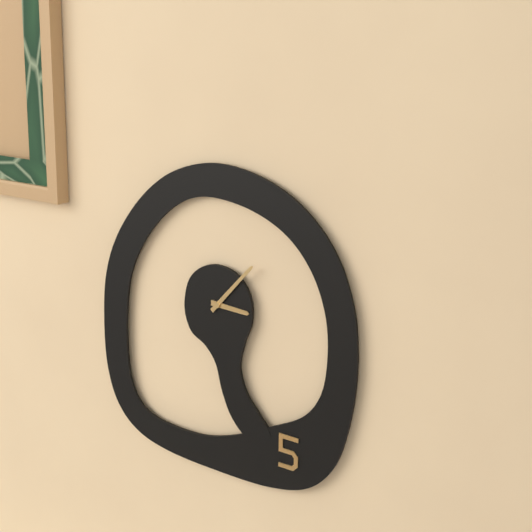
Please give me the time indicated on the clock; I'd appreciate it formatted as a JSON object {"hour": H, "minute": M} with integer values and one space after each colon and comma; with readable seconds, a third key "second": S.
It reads {"hour": 3, "minute": 7}
